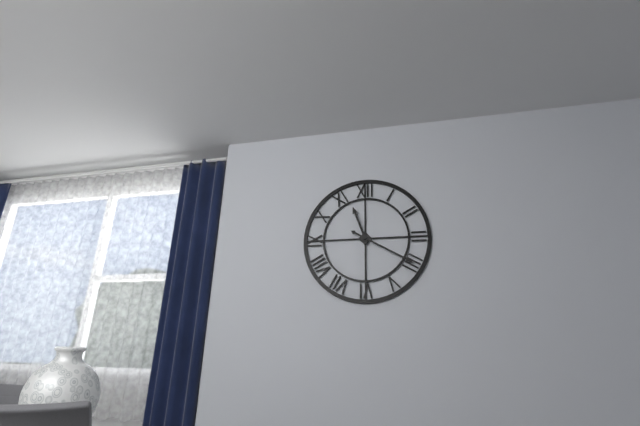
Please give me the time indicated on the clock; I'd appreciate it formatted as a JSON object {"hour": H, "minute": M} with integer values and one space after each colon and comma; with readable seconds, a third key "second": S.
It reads {"hour": 11, "minute": 20}
